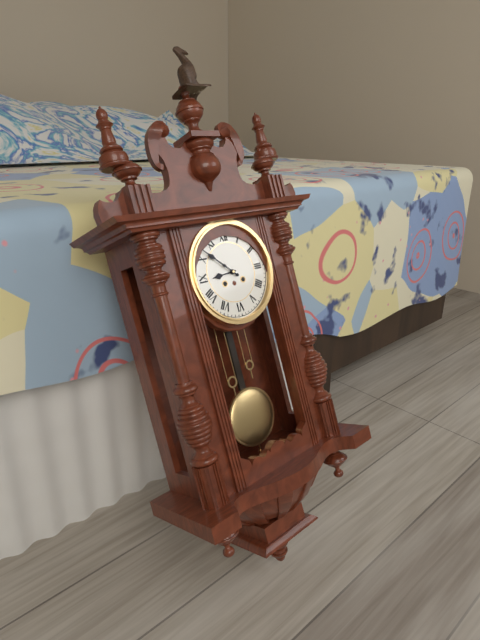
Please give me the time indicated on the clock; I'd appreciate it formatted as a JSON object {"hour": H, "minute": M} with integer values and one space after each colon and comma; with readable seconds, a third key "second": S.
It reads {"hour": 8, "minute": 52}
